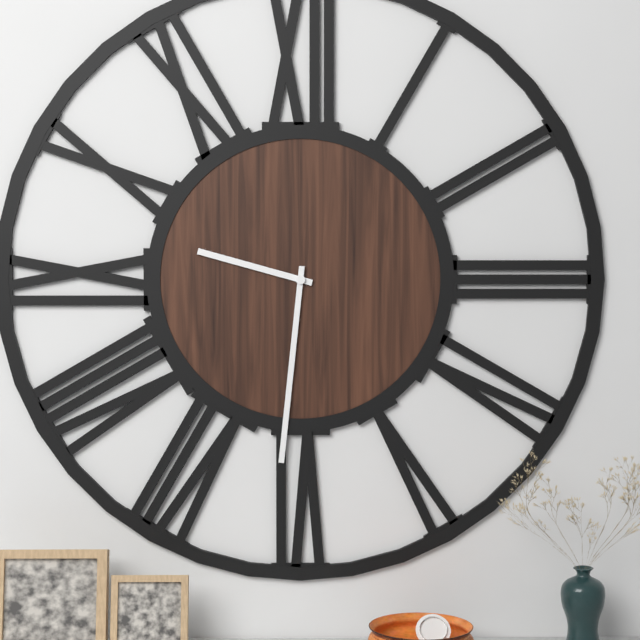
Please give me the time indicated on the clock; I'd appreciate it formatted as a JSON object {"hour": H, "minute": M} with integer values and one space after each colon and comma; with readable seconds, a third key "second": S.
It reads {"hour": 9, "minute": 31}
